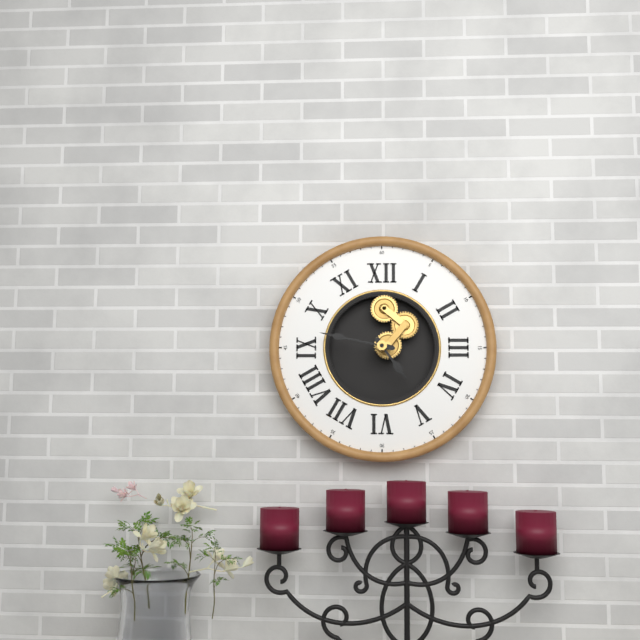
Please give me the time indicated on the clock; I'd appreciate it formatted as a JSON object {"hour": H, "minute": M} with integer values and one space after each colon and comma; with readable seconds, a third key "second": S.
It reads {"hour": 4, "minute": 47}
